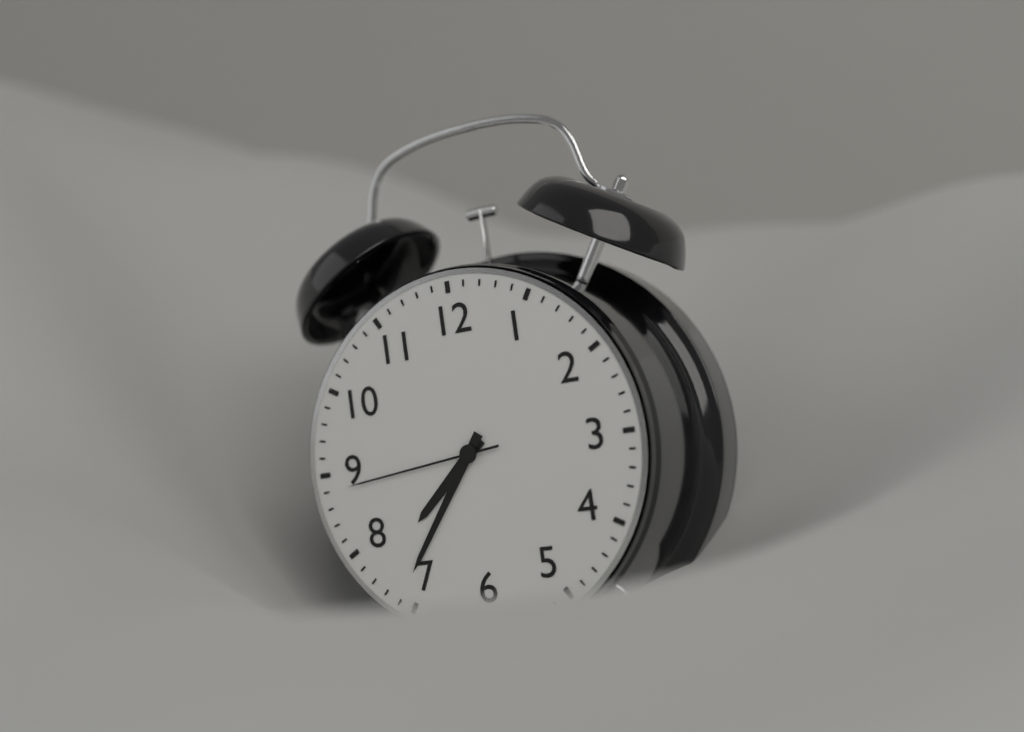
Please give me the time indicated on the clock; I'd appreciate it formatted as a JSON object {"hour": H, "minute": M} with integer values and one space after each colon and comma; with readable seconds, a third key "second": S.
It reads {"hour": 7, "minute": 36, "second": 44}
